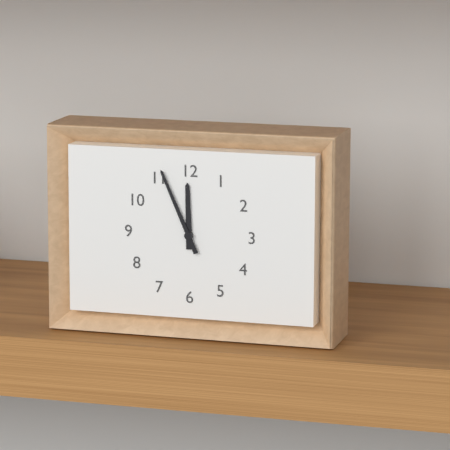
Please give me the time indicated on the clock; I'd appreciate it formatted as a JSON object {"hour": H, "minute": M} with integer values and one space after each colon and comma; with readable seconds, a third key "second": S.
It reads {"hour": 11, "minute": 56}
